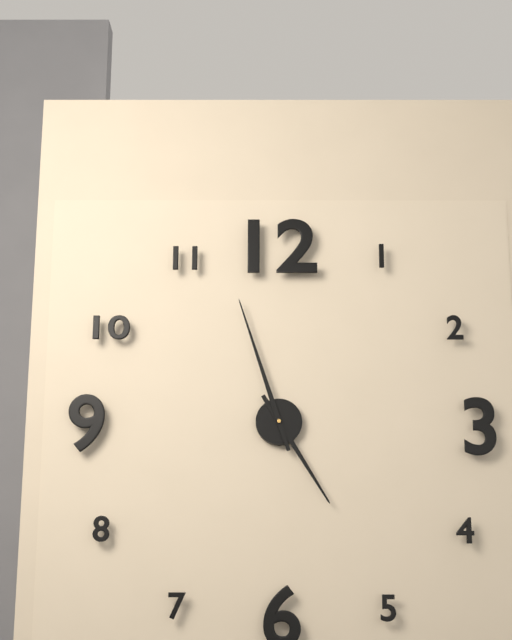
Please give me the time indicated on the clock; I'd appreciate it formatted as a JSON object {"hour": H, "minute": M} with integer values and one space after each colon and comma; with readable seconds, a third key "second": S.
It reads {"hour": 4, "minute": 57}
